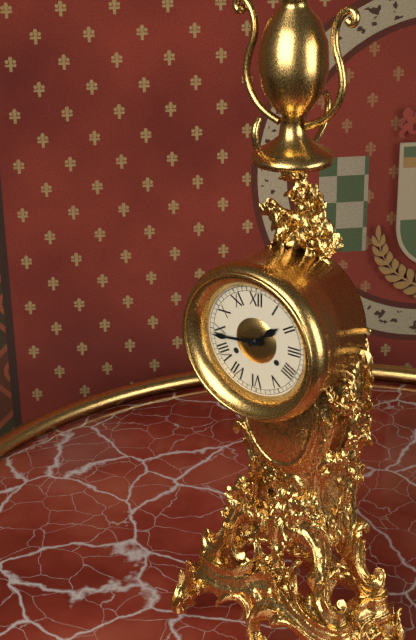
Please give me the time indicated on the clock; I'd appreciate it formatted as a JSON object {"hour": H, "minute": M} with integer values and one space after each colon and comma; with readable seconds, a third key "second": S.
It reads {"hour": 1, "minute": 44}
